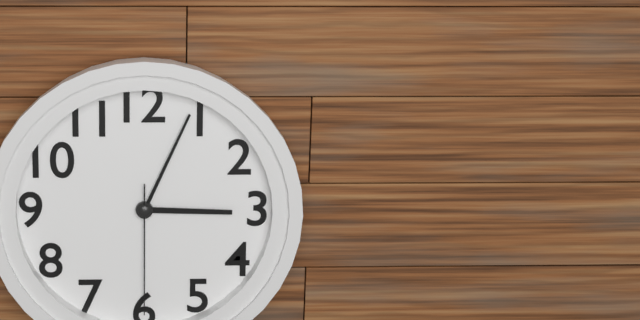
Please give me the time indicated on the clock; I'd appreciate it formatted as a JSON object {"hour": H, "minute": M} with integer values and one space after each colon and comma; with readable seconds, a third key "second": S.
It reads {"hour": 3, "minute": 4, "second": 30}
